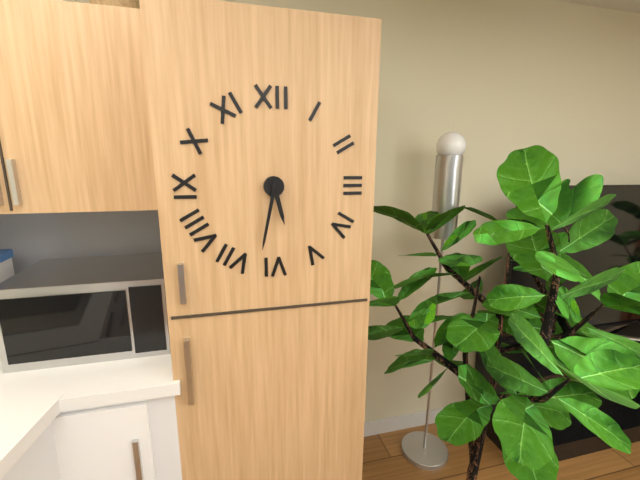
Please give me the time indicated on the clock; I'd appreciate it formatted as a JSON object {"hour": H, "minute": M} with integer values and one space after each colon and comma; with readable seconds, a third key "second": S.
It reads {"hour": 5, "minute": 32}
